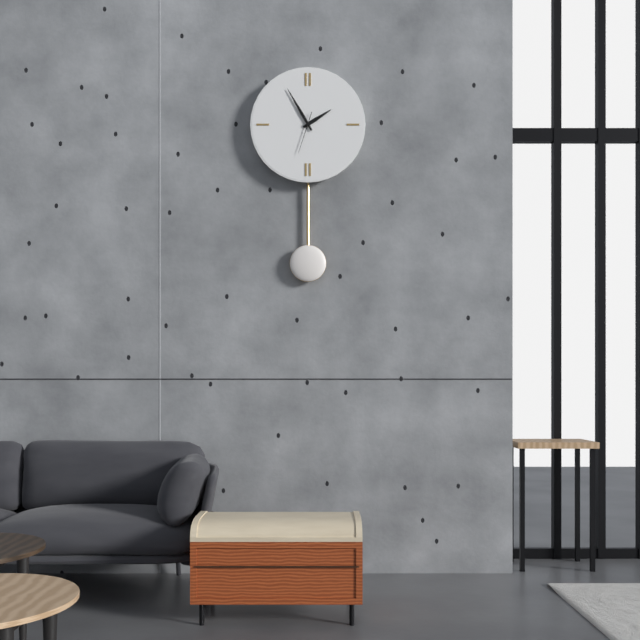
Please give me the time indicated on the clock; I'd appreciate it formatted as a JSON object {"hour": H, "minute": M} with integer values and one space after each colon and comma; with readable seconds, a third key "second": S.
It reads {"hour": 1, "minute": 55}
